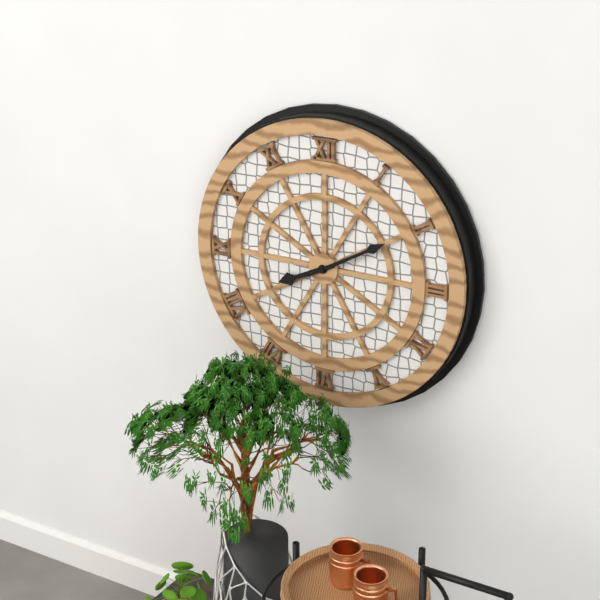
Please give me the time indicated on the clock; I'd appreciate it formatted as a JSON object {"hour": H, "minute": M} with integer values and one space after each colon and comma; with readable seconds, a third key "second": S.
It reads {"hour": 8, "minute": 10}
